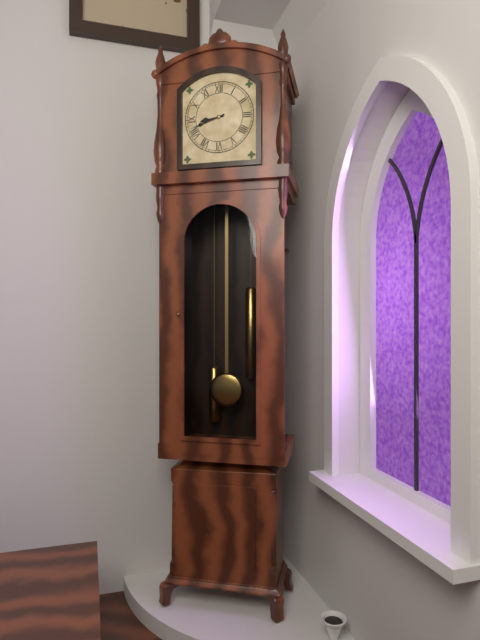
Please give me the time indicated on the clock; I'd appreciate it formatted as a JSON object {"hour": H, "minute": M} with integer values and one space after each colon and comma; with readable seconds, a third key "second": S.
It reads {"hour": 8, "minute": 42}
